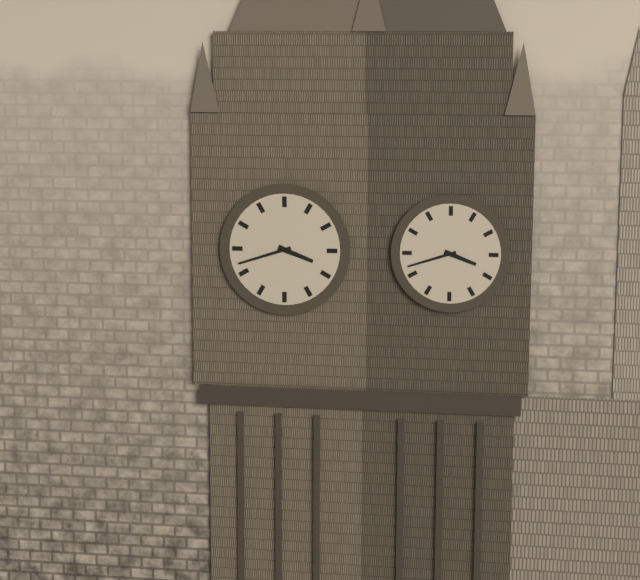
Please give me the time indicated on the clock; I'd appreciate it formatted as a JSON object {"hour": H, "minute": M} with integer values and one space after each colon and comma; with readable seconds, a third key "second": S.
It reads {"hour": 3, "minute": 42}
